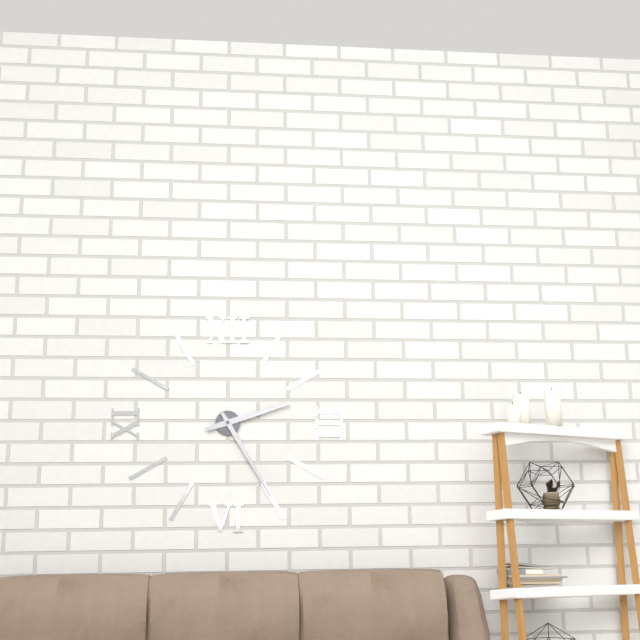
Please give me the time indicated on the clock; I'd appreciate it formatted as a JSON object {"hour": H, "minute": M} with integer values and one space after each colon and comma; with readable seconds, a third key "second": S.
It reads {"hour": 2, "minute": 25}
